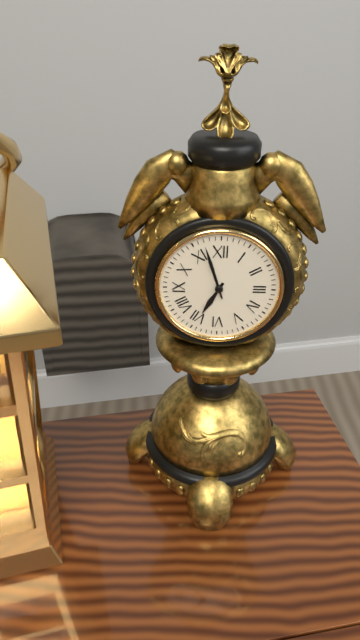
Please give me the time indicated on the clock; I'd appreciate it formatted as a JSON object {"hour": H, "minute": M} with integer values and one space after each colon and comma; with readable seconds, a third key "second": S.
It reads {"hour": 6, "minute": 57}
